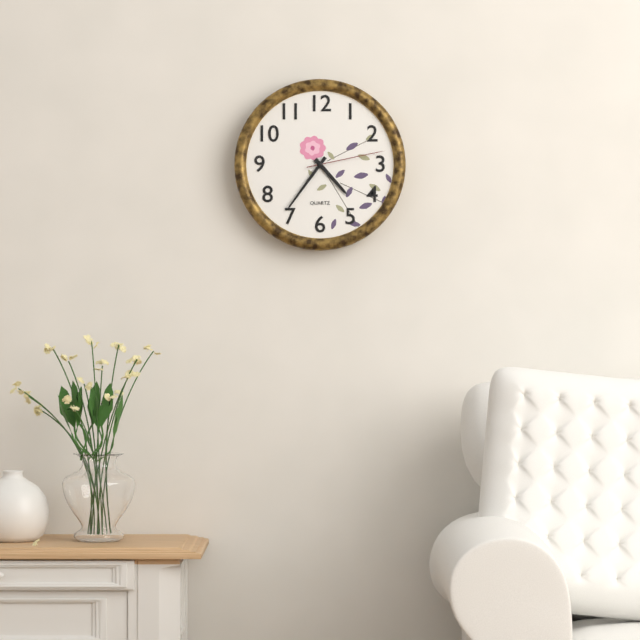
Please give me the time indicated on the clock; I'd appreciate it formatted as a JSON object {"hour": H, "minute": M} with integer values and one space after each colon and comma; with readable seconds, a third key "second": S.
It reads {"hour": 4, "minute": 36, "second": 13}
